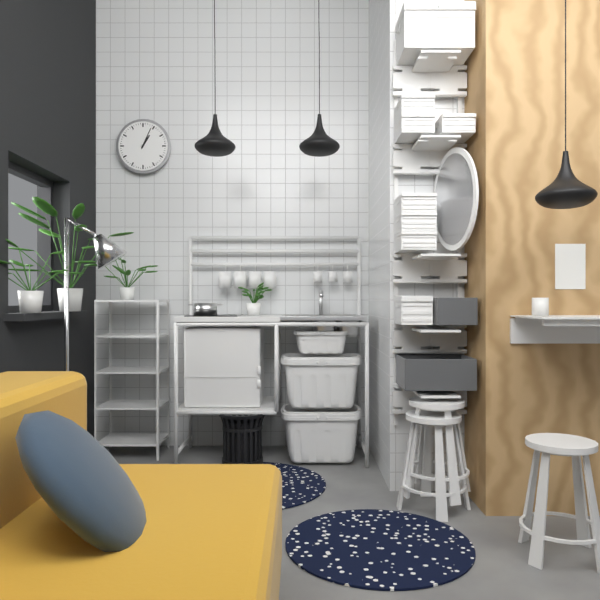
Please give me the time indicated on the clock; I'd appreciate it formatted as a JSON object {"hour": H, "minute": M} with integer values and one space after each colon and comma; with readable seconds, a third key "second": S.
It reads {"hour": 1, "minute": 4}
